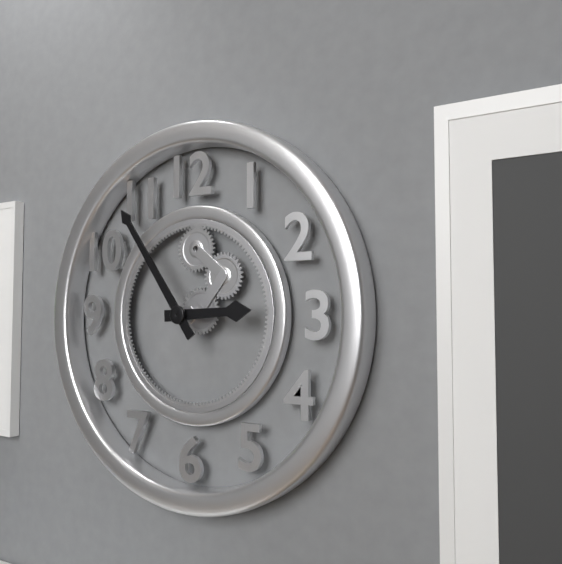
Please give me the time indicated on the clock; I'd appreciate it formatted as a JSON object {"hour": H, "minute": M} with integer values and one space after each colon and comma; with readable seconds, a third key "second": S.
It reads {"hour": 2, "minute": 54}
